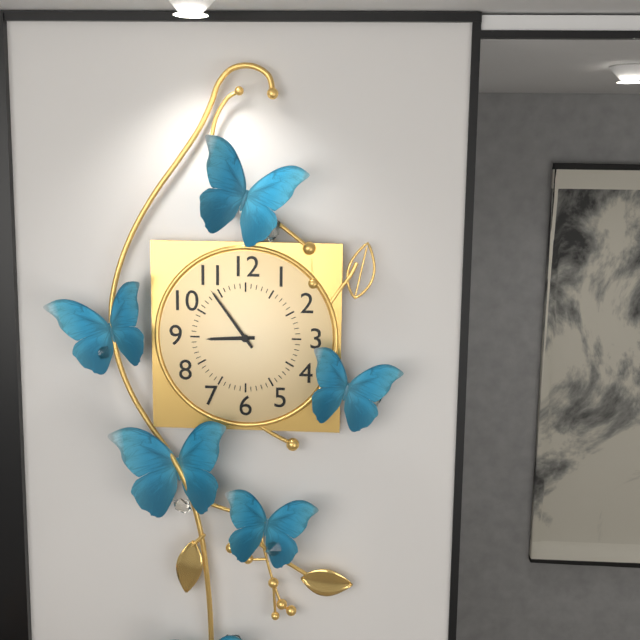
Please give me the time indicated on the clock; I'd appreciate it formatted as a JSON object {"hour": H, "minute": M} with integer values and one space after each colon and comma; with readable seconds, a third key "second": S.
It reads {"hour": 8, "minute": 54}
